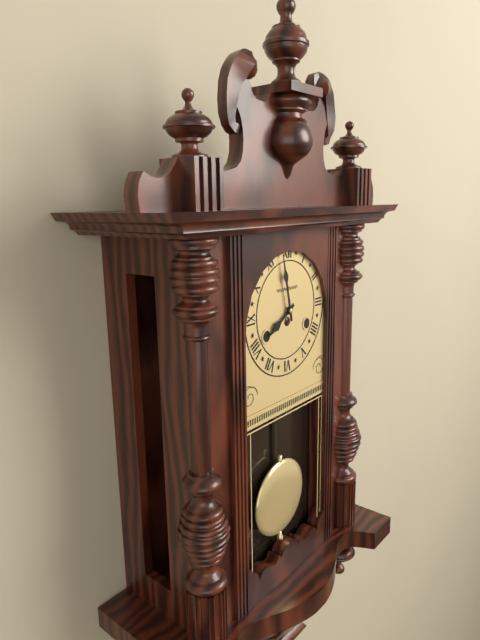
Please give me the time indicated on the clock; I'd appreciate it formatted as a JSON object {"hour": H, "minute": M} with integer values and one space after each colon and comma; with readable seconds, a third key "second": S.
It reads {"hour": 7, "minute": 58}
